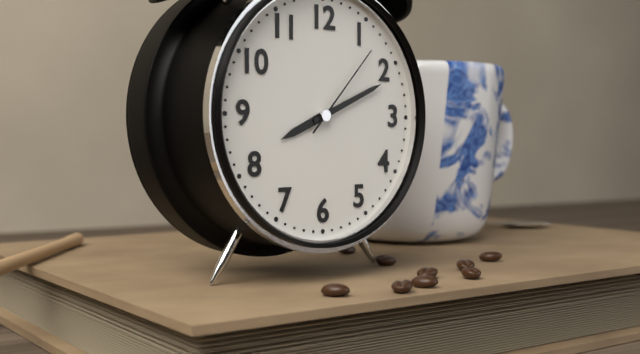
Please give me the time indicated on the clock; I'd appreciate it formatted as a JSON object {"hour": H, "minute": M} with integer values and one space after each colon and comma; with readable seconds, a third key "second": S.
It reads {"hour": 8, "minute": 11, "second": 7}
